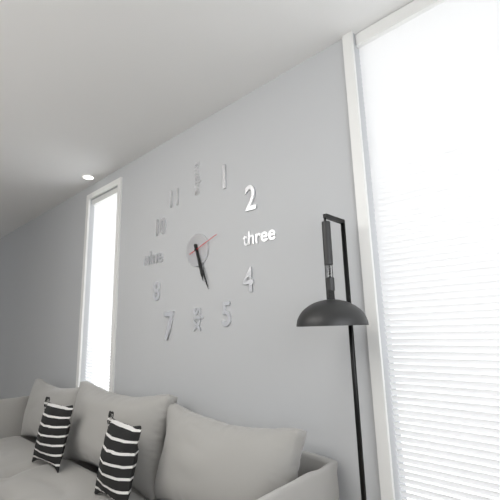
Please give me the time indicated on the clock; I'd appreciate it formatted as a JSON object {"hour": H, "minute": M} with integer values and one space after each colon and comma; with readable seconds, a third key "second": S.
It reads {"hour": 5, "minute": 26}
